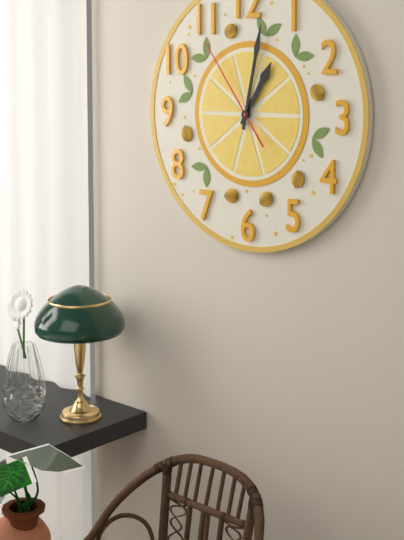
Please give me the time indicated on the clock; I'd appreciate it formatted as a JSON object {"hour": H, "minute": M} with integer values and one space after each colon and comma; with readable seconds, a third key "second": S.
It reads {"hour": 1, "minute": 2, "second": 54}
